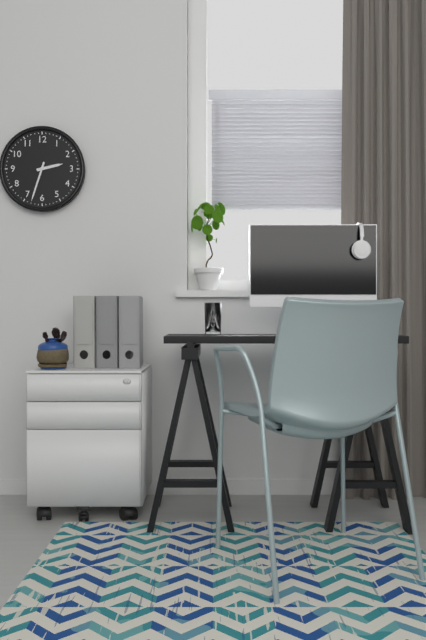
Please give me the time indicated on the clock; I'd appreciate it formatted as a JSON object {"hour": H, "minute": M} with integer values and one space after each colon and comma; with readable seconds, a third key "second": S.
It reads {"hour": 2, "minute": 33}
